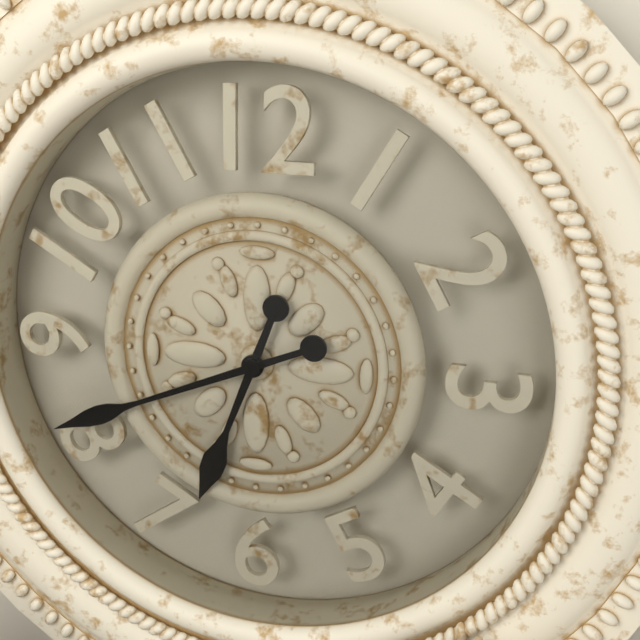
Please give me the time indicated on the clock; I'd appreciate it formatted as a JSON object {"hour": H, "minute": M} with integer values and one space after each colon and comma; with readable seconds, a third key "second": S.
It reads {"hour": 6, "minute": 41}
